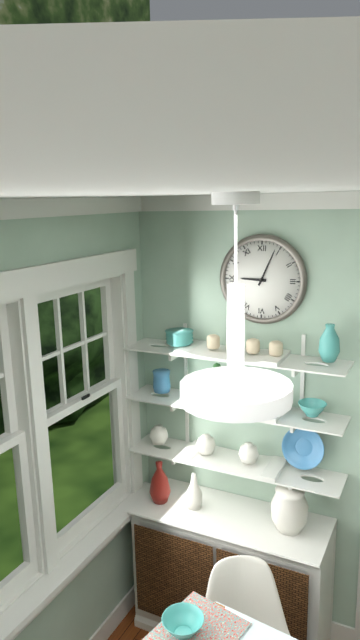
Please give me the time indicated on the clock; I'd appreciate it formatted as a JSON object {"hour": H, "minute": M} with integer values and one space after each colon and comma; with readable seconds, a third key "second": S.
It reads {"hour": 9, "minute": 4}
